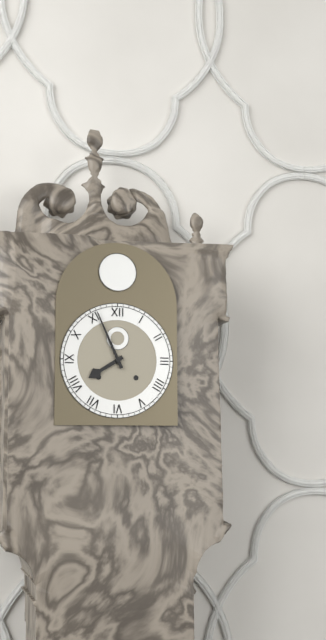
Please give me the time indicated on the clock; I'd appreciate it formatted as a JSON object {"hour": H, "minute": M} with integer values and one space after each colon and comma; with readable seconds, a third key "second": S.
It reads {"hour": 7, "minute": 56}
